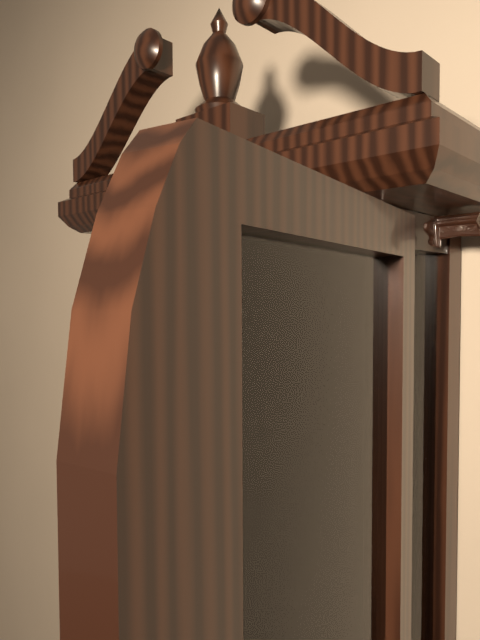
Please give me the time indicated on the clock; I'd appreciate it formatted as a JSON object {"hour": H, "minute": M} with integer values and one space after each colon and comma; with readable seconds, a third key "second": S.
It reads {"hour": 10, "minute": 4}
